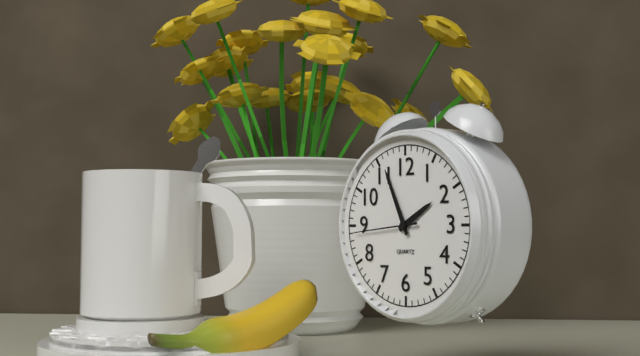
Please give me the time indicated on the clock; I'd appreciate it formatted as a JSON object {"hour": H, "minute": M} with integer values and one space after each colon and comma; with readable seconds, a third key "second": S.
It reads {"hour": 1, "minute": 56, "second": 44}
